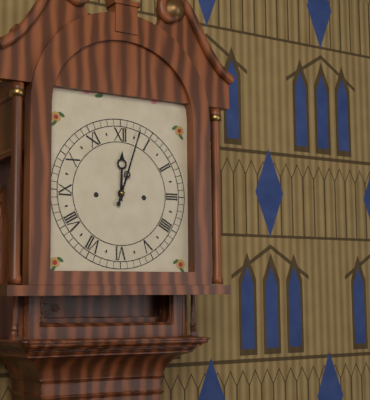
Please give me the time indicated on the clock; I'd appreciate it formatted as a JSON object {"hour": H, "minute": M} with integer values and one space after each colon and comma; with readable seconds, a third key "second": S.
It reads {"hour": 12, "minute": 3}
